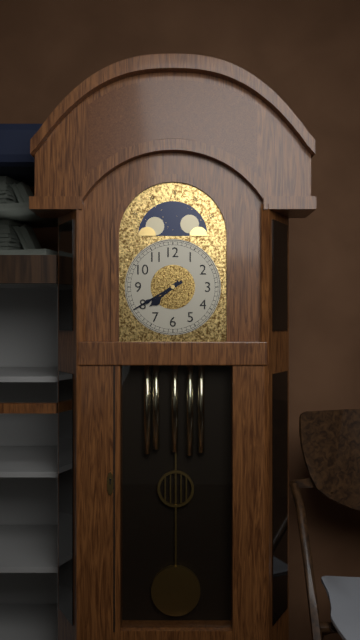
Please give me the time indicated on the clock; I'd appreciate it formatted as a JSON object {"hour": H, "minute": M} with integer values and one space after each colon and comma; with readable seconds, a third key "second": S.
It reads {"hour": 7, "minute": 40}
